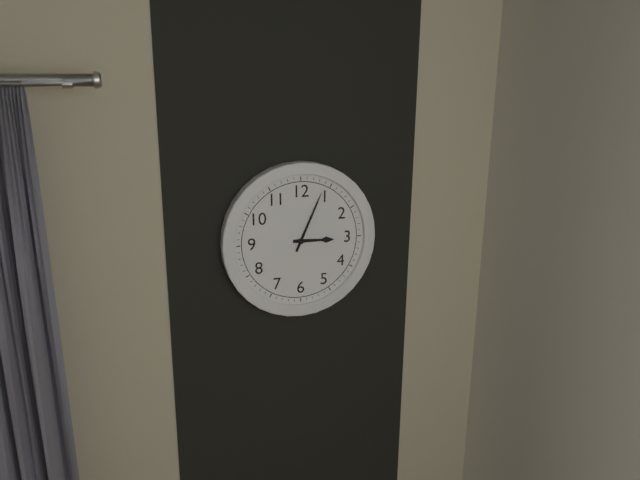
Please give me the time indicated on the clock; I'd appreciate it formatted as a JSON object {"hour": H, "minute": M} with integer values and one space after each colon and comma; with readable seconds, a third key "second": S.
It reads {"hour": 3, "minute": 4}
